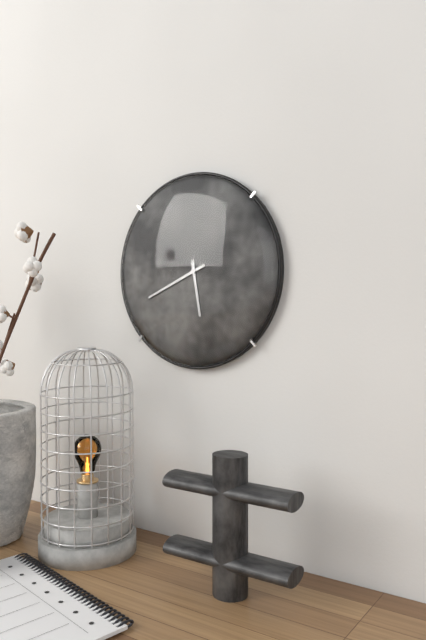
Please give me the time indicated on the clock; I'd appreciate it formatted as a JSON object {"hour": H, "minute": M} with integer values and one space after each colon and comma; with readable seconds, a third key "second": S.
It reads {"hour": 5, "minute": 41}
